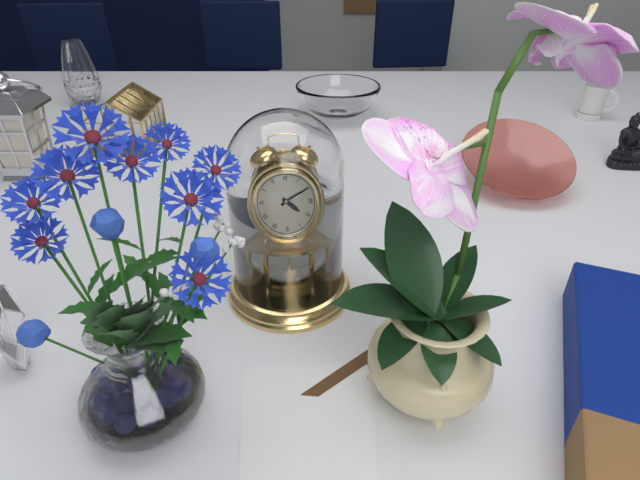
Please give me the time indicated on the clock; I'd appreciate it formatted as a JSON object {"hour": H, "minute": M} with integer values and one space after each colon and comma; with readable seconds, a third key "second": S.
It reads {"hour": 4, "minute": 10}
